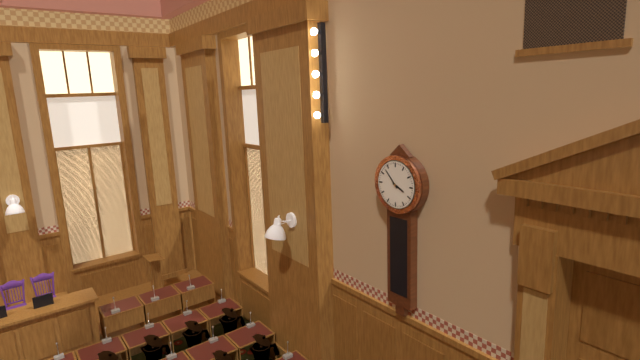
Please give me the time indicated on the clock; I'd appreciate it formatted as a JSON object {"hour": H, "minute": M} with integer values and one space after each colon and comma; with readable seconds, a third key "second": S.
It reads {"hour": 3, "minute": 53}
